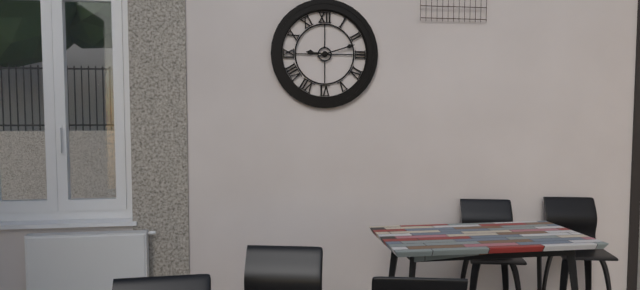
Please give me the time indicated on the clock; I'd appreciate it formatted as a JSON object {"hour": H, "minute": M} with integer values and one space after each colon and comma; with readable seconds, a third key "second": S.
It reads {"hour": 9, "minute": 12}
